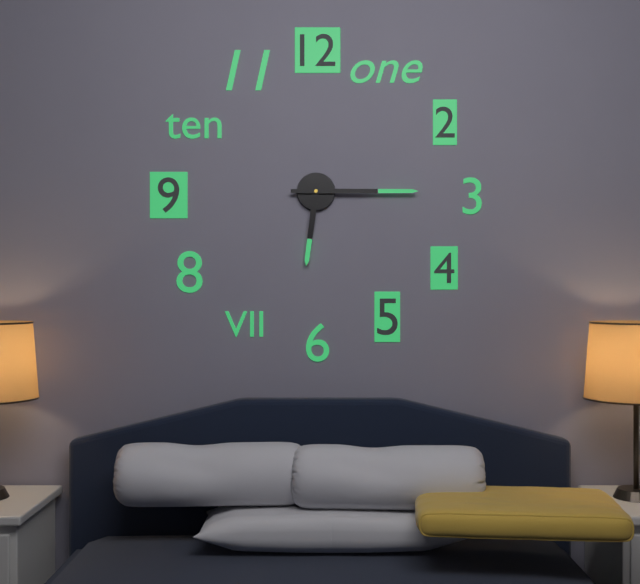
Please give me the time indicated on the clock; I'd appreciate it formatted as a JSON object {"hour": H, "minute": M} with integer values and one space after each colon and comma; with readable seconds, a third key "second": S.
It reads {"hour": 6, "minute": 15}
